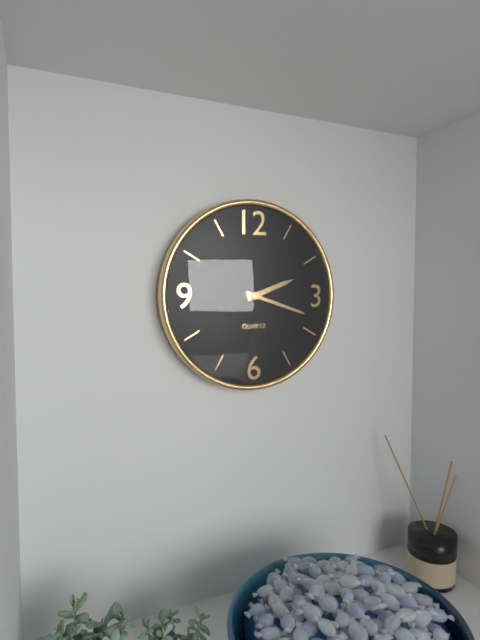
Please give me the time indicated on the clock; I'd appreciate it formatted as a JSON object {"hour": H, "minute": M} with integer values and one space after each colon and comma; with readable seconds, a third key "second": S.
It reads {"hour": 2, "minute": 18}
